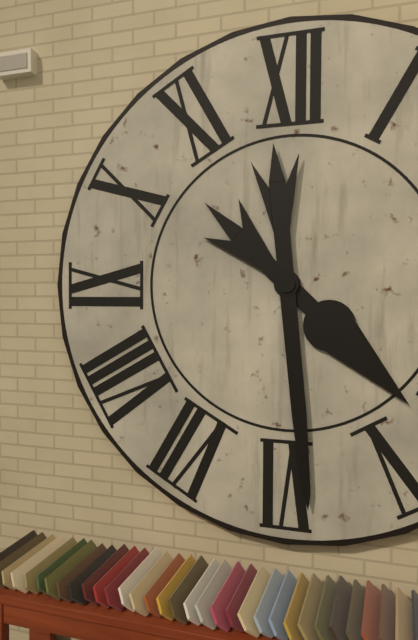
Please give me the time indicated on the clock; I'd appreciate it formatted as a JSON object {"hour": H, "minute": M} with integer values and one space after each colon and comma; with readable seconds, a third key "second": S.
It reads {"hour": 4, "minute": 29}
